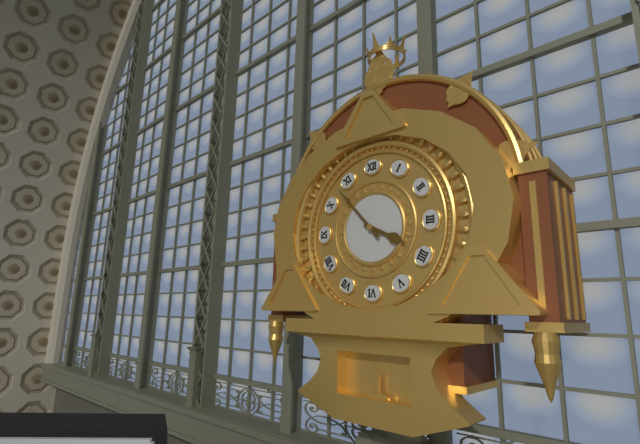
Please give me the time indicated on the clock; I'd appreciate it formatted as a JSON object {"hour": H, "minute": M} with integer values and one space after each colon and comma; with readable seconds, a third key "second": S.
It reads {"hour": 3, "minute": 53}
